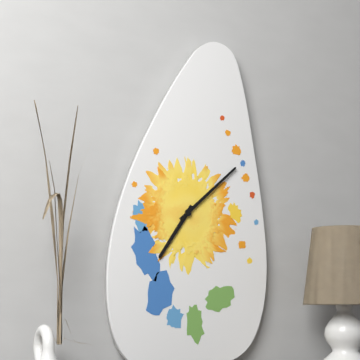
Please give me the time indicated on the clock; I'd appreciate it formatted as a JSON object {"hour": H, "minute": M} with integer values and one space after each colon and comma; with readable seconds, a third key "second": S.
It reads {"hour": 7, "minute": 8}
